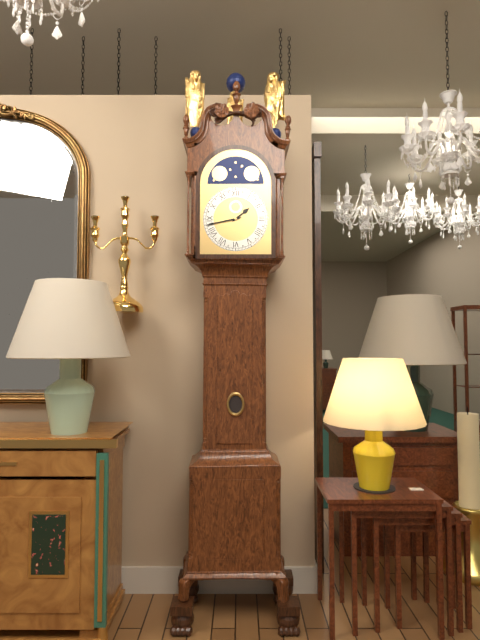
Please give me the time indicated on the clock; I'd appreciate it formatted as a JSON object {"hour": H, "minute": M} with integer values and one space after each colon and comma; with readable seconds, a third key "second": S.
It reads {"hour": 1, "minute": 43}
